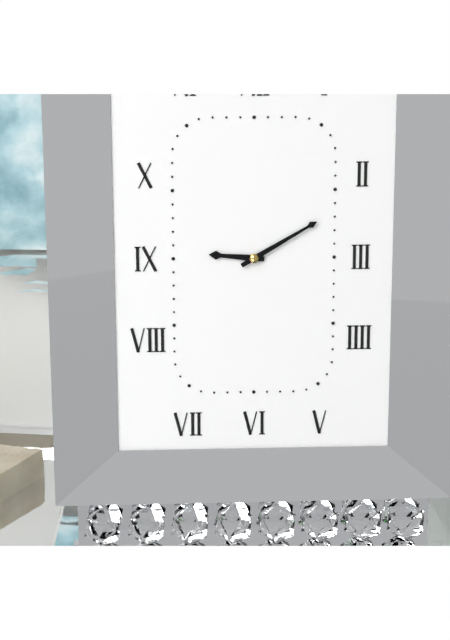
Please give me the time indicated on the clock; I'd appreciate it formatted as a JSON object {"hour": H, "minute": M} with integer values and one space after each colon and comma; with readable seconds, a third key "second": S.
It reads {"hour": 9, "minute": 10}
